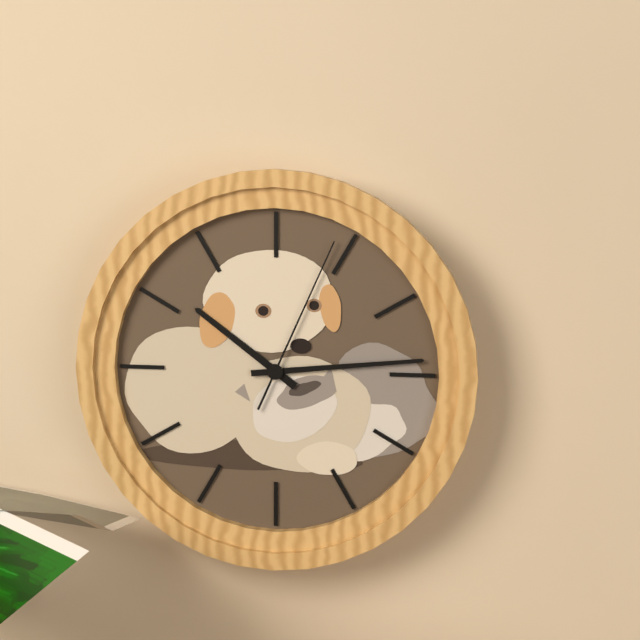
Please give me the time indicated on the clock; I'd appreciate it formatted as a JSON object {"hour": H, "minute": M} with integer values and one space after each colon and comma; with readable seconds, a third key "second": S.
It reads {"hour": 10, "minute": 14, "second": 4}
